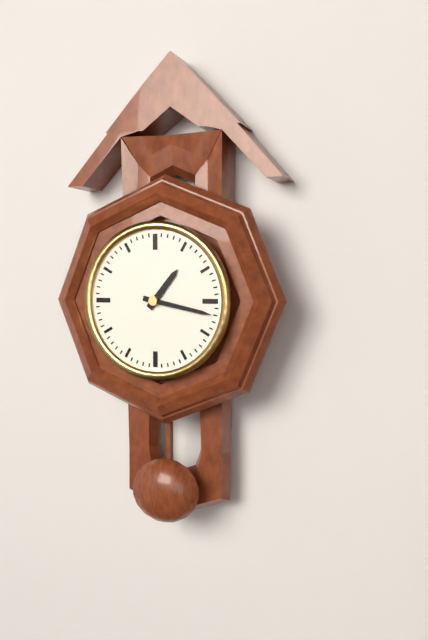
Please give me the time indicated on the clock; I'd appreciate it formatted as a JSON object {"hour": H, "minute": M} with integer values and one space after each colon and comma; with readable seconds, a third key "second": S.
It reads {"hour": 1, "minute": 17}
